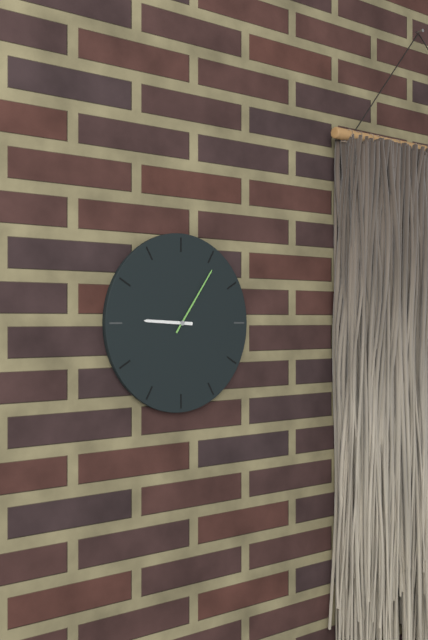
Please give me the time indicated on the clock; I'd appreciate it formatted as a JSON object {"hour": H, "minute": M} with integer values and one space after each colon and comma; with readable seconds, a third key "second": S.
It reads {"hour": 9, "minute": 6}
